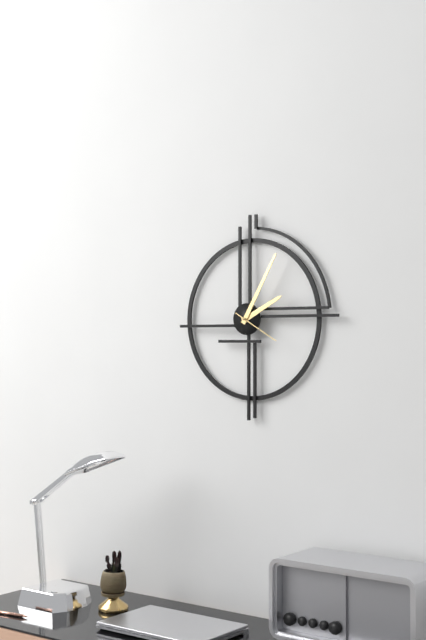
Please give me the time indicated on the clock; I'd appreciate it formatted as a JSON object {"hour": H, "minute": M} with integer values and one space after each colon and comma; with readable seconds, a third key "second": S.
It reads {"hour": 2, "minute": 5}
